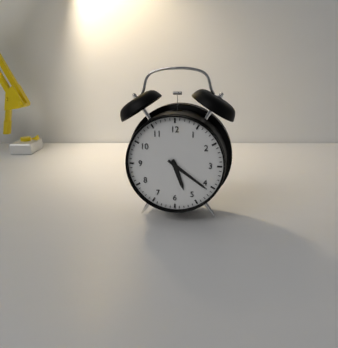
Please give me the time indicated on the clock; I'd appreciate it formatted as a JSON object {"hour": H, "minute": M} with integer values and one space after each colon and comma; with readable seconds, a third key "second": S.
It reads {"hour": 5, "minute": 21}
